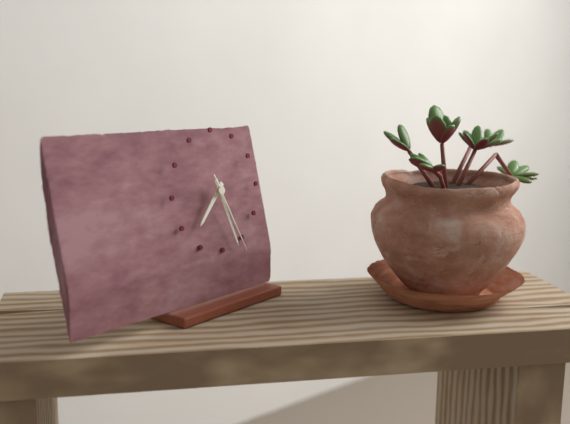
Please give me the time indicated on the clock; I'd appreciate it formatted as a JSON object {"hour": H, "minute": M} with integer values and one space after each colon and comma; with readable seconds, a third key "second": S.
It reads {"hour": 7, "minute": 27, "second": 26}
